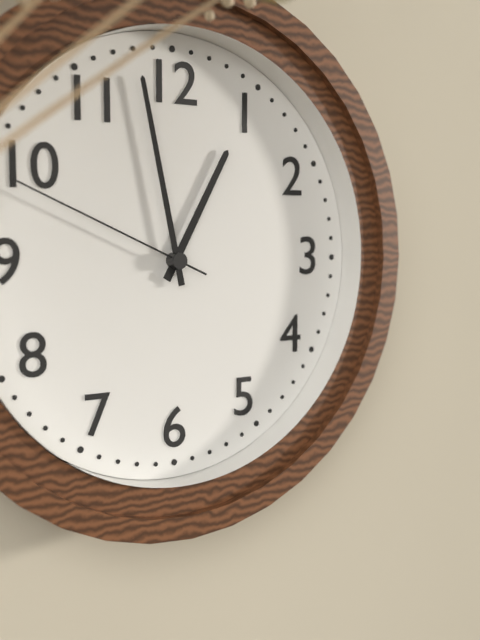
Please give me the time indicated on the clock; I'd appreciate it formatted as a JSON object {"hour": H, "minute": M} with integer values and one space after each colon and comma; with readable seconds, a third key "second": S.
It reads {"hour": 12, "minute": 58, "second": 49}
